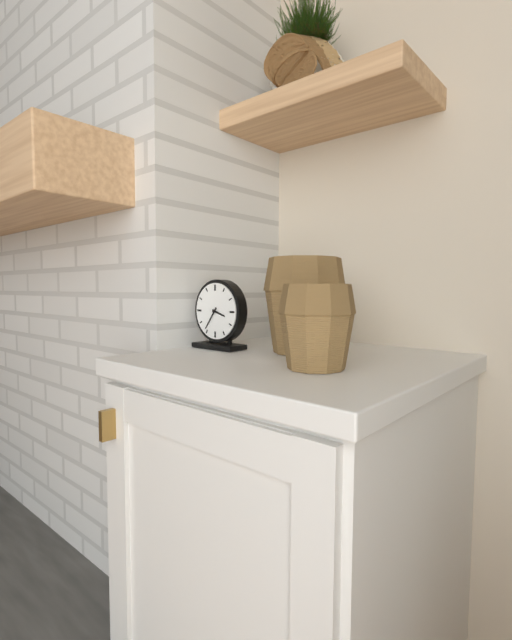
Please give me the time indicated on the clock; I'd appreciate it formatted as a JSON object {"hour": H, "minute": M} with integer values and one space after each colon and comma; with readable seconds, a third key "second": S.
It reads {"hour": 3, "minute": 36}
